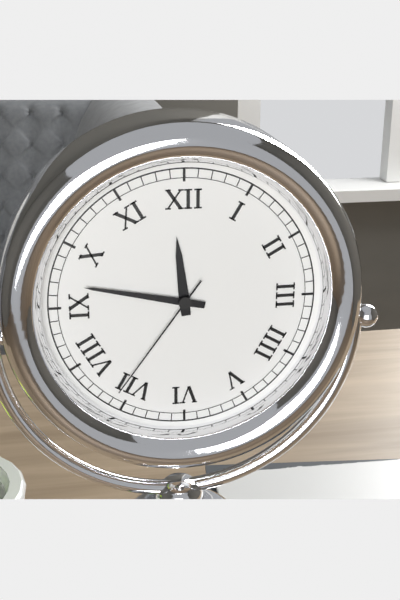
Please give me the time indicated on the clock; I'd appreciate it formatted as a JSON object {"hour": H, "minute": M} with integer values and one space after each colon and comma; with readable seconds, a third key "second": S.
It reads {"hour": 11, "minute": 47, "second": 36}
